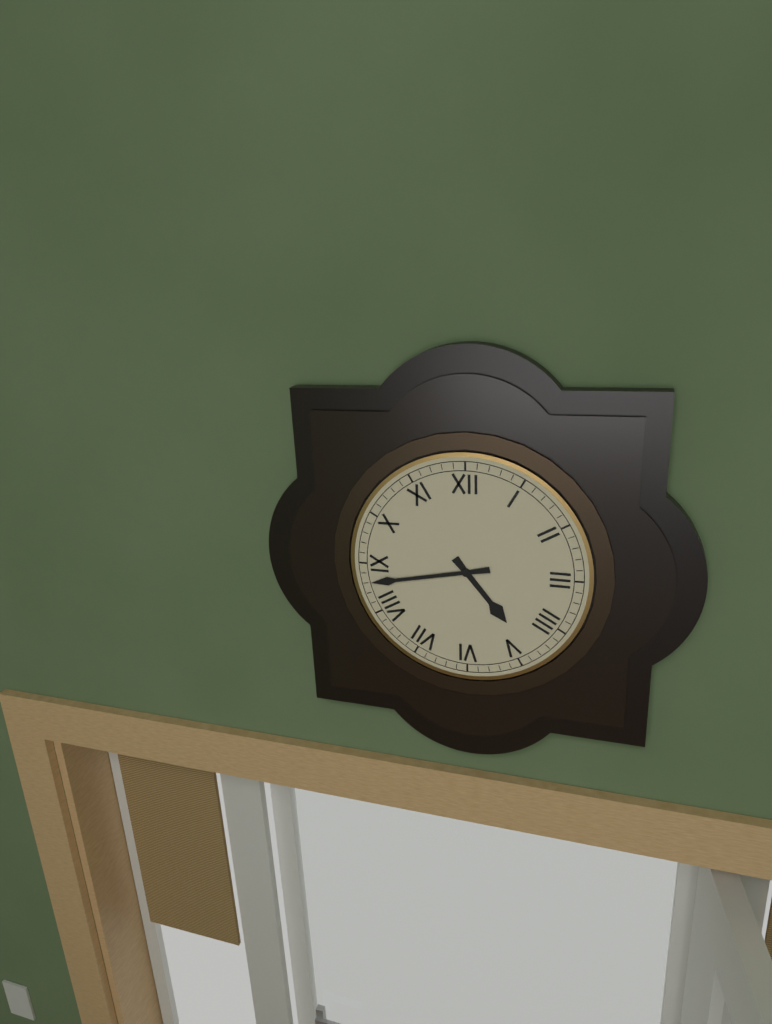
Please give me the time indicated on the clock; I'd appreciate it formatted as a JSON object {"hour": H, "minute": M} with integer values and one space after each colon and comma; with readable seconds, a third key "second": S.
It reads {"hour": 4, "minute": 43}
